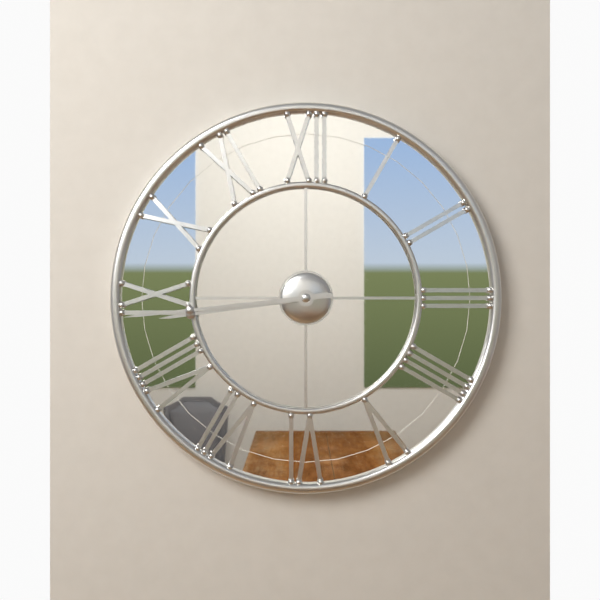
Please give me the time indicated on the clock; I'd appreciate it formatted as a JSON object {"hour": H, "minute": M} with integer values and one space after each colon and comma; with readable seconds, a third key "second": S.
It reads {"hour": 8, "minute": 44}
